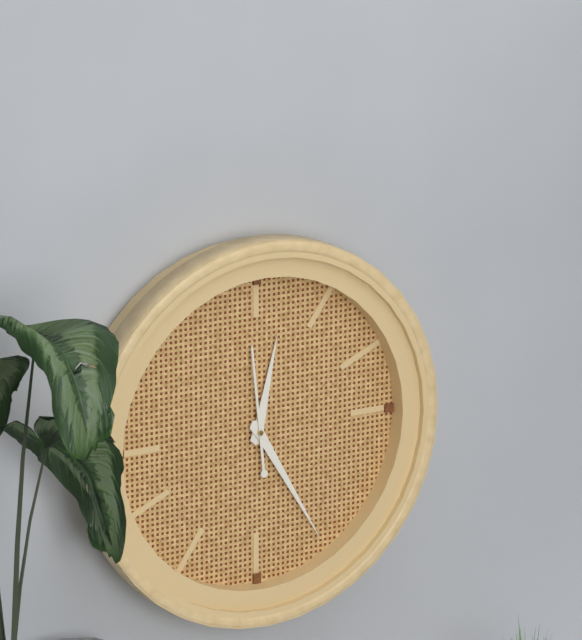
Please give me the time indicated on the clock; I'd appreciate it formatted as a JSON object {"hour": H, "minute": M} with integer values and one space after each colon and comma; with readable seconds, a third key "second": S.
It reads {"hour": 12, "minute": 25, "second": 59}
